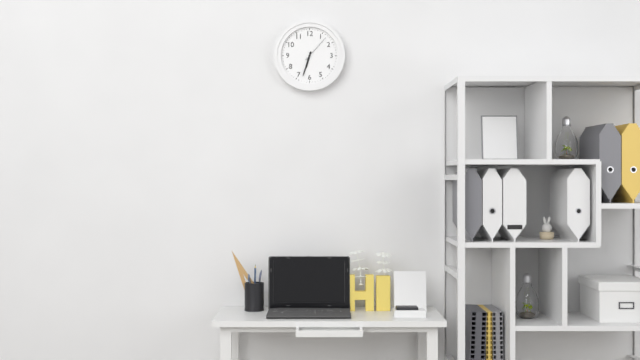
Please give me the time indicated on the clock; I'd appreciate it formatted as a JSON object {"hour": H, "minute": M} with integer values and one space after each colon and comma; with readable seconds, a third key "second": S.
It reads {"hour": 6, "minute": 33}
